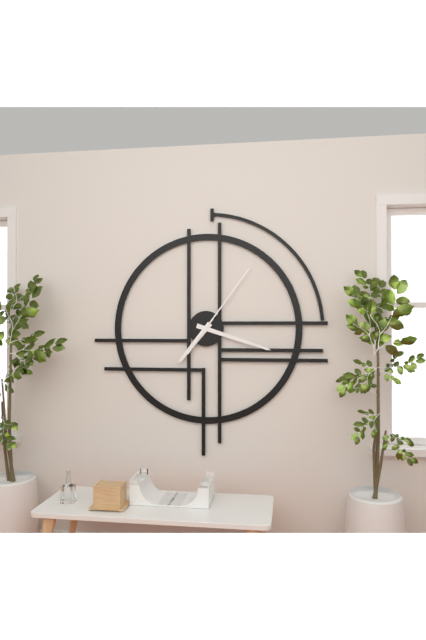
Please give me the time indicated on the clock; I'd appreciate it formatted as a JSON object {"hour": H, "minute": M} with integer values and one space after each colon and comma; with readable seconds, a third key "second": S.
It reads {"hour": 7, "minute": 18, "second": 6}
